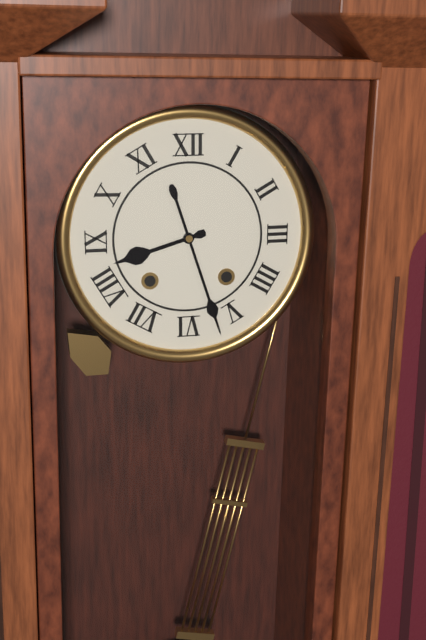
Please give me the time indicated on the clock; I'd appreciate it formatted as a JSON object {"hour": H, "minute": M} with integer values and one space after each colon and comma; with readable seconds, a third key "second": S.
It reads {"hour": 8, "minute": 27}
